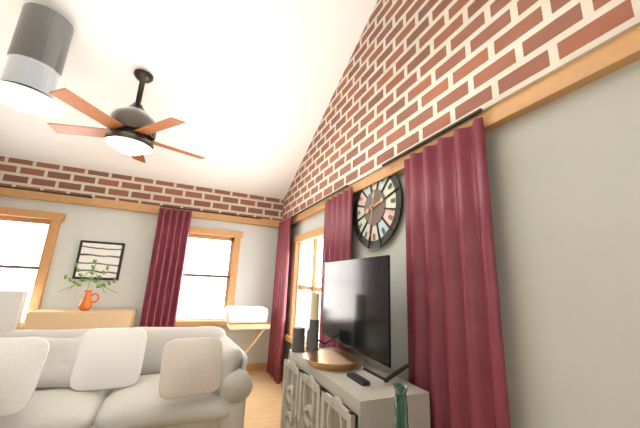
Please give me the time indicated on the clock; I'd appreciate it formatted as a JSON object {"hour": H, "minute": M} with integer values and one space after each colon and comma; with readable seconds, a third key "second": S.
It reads {"hour": 2, "minute": 32}
